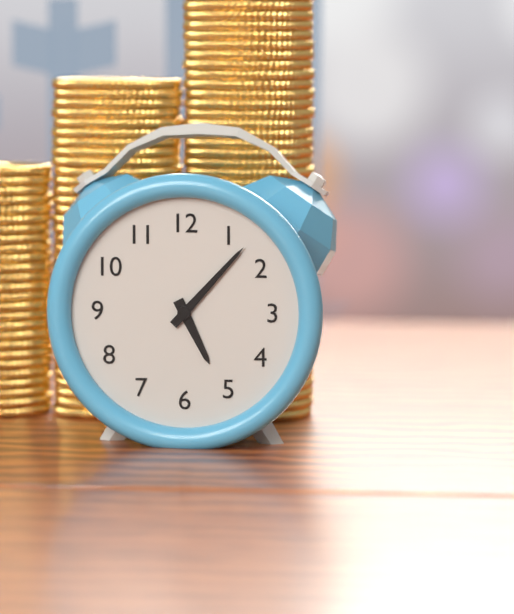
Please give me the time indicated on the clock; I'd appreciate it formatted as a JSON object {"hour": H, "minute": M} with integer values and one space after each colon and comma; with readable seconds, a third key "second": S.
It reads {"hour": 5, "minute": 7}
